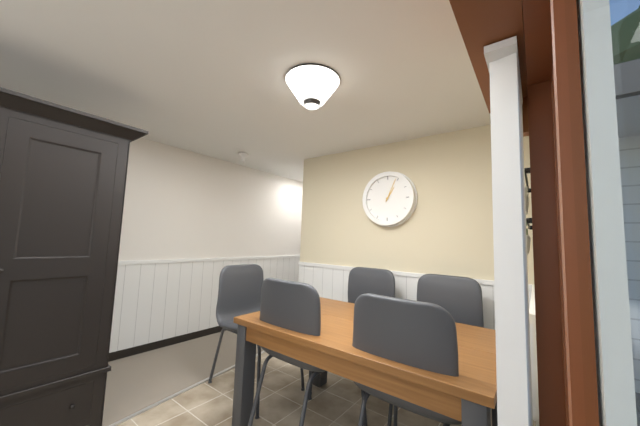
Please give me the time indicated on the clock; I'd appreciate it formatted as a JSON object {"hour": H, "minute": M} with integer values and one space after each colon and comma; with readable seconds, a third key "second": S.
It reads {"hour": 1, "minute": 4}
